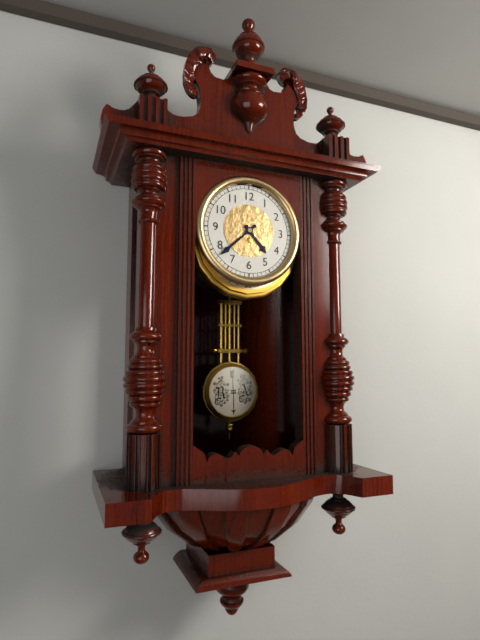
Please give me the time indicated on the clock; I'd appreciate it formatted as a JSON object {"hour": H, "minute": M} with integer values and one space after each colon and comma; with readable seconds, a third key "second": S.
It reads {"hour": 4, "minute": 38}
